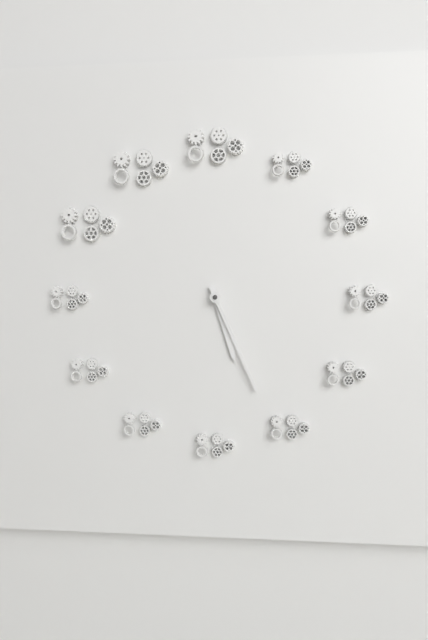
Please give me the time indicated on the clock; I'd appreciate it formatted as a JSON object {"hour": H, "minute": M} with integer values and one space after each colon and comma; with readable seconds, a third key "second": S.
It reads {"hour": 5, "minute": 26}
